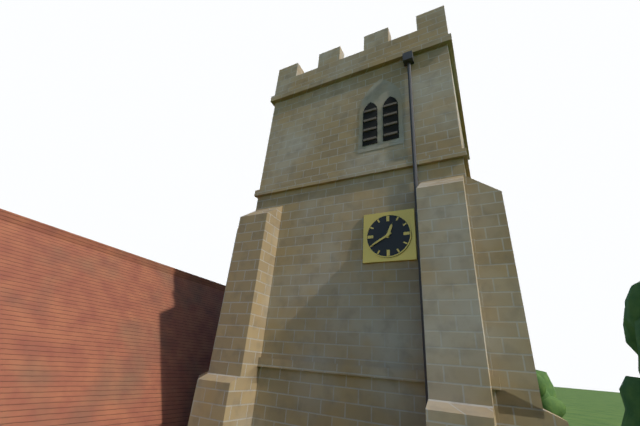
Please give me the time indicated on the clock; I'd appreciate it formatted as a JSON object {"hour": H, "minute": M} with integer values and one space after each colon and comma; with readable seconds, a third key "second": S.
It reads {"hour": 12, "minute": 40}
